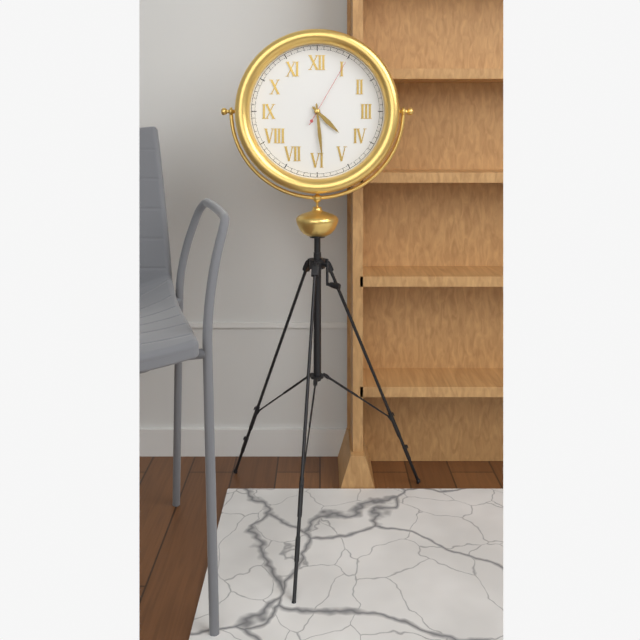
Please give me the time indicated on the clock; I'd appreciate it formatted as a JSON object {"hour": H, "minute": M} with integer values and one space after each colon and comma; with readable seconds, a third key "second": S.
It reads {"hour": 4, "minute": 29, "second": 5}
